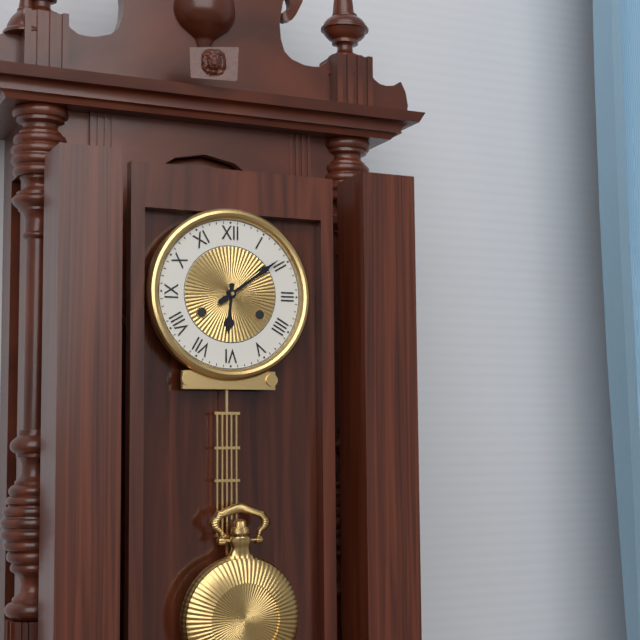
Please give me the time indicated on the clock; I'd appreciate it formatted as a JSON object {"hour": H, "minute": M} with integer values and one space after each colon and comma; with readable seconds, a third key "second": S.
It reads {"hour": 6, "minute": 9}
